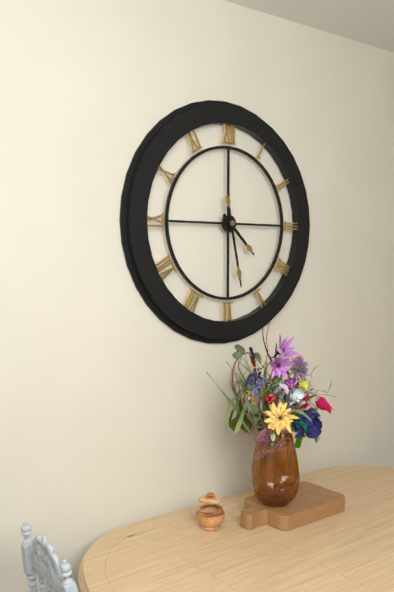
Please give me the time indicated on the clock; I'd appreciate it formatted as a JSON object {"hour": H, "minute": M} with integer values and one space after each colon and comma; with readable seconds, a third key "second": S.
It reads {"hour": 4, "minute": 28}
